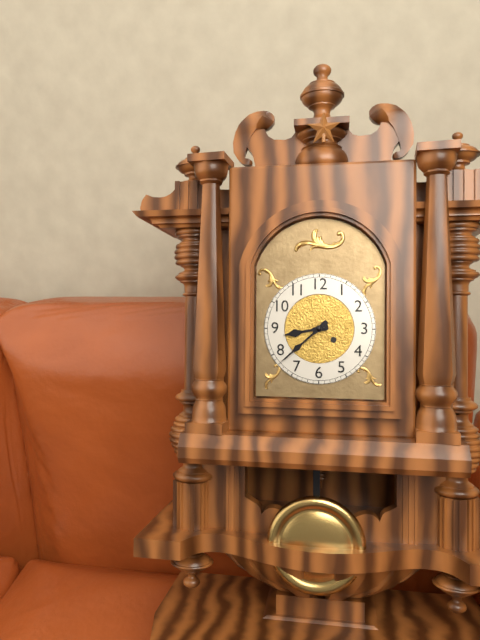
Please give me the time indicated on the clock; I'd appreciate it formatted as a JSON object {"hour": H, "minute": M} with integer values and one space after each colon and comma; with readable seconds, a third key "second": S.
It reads {"hour": 8, "minute": 38}
